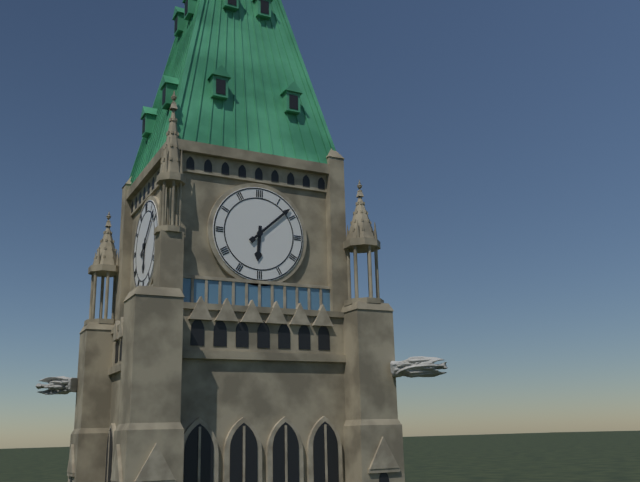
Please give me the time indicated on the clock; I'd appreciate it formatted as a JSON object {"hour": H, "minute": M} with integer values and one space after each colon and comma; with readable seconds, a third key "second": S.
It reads {"hour": 6, "minute": 8}
